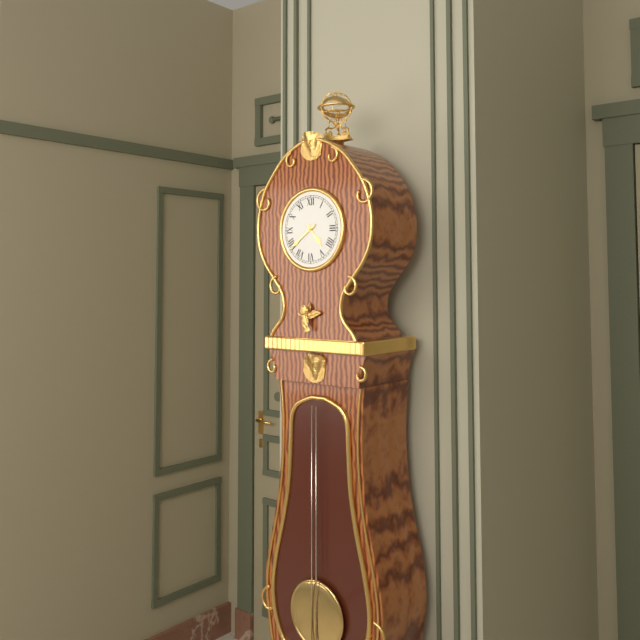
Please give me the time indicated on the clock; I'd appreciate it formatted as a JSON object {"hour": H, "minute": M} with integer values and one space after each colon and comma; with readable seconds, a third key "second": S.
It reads {"hour": 4, "minute": 39}
